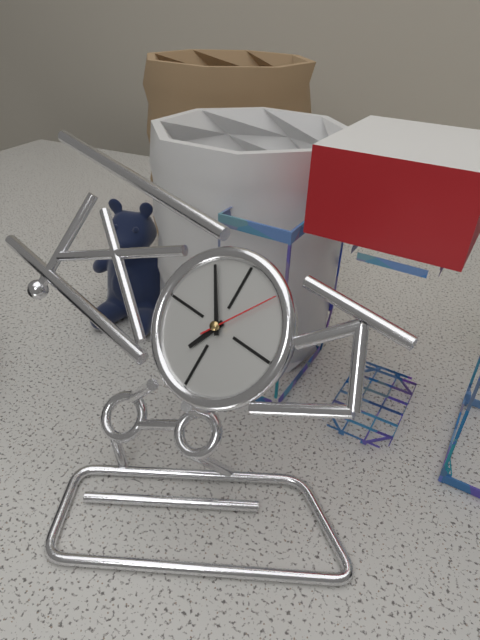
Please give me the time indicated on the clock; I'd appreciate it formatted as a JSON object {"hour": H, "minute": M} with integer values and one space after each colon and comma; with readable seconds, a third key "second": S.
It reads {"hour": 6, "minute": 54, "second": 6}
